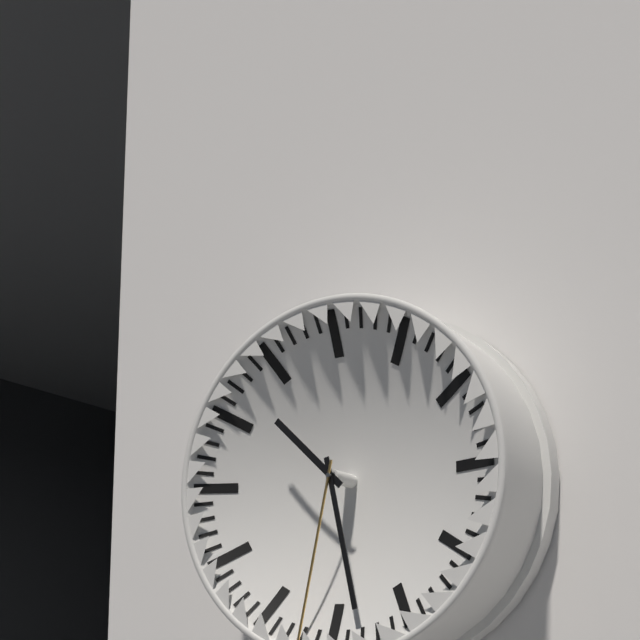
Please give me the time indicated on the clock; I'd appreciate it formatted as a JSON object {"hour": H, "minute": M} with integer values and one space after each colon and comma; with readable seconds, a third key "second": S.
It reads {"hour": 10, "minute": 28}
